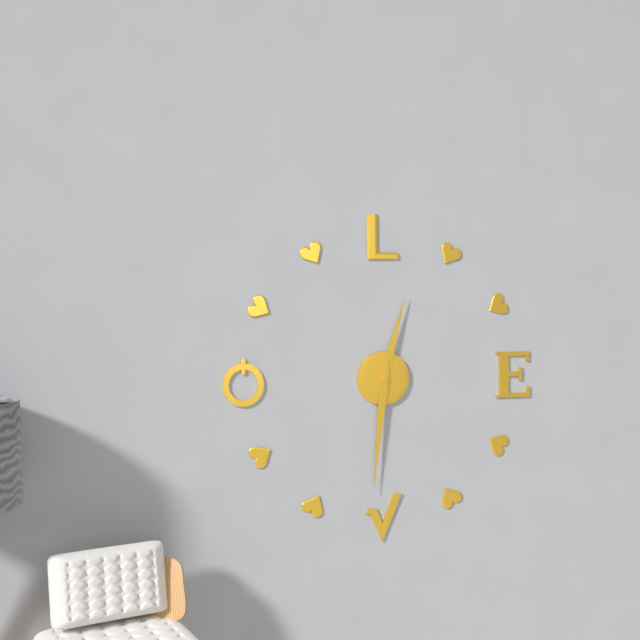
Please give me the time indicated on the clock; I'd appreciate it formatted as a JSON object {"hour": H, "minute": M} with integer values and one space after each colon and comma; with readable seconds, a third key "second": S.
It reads {"hour": 12, "minute": 31}
